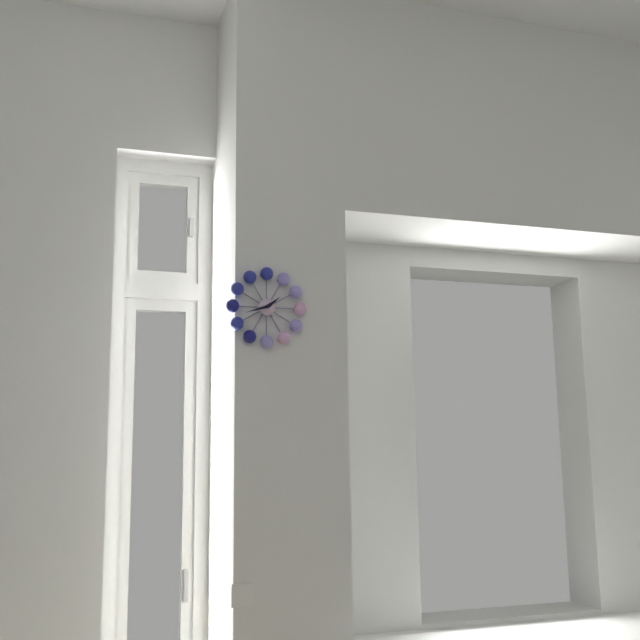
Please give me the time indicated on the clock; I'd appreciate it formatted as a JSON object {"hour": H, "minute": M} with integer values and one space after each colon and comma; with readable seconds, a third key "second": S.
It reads {"hour": 1, "minute": 42}
